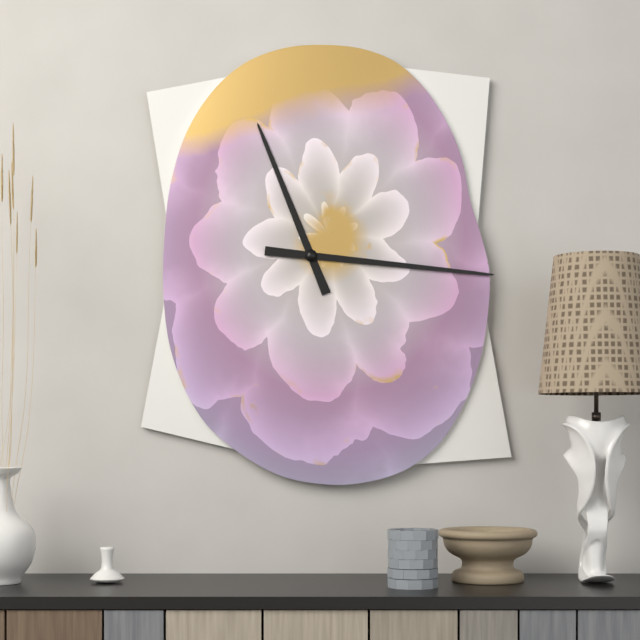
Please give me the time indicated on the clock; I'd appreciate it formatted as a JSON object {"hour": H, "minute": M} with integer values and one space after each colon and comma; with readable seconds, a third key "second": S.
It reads {"hour": 11, "minute": 16}
